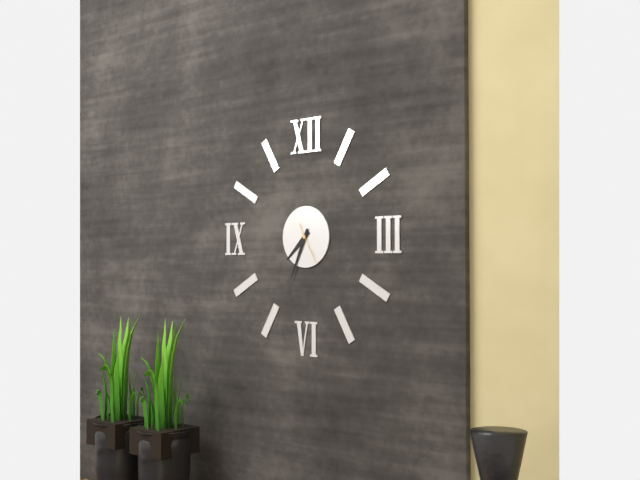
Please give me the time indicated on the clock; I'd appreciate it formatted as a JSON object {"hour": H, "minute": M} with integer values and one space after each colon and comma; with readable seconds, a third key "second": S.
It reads {"hour": 7, "minute": 34}
